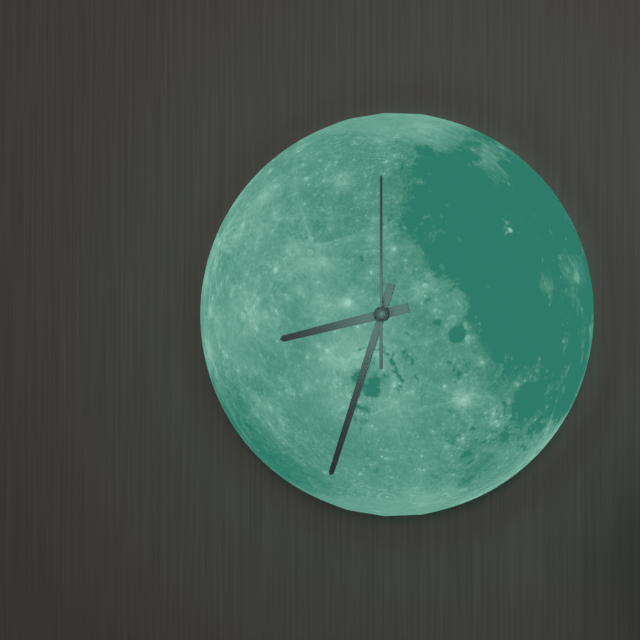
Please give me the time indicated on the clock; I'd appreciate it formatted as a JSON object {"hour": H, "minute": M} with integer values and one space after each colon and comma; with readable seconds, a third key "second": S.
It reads {"hour": 8, "minute": 33, "second": 0}
